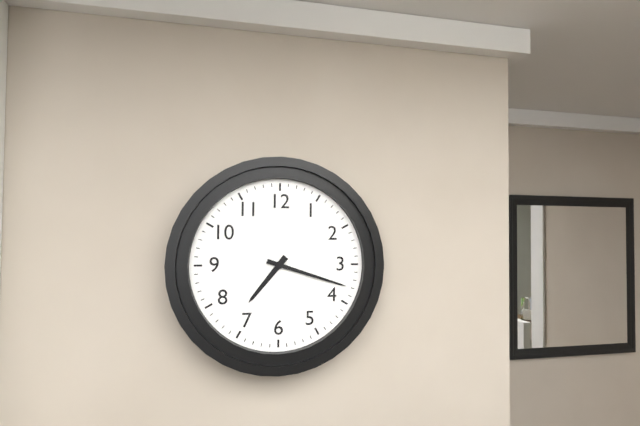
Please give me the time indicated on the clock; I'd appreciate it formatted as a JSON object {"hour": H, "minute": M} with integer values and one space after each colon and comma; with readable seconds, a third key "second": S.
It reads {"hour": 7, "minute": 18}
